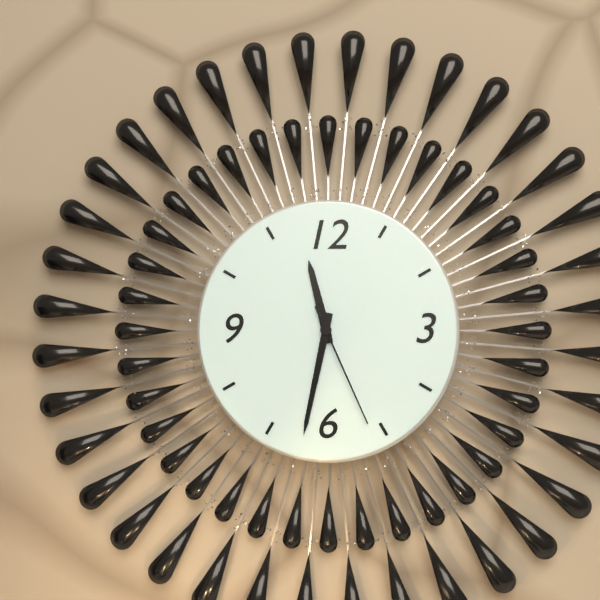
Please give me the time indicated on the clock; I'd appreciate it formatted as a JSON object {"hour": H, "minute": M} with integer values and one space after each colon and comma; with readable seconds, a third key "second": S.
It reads {"hour": 11, "minute": 32, "second": 26}
